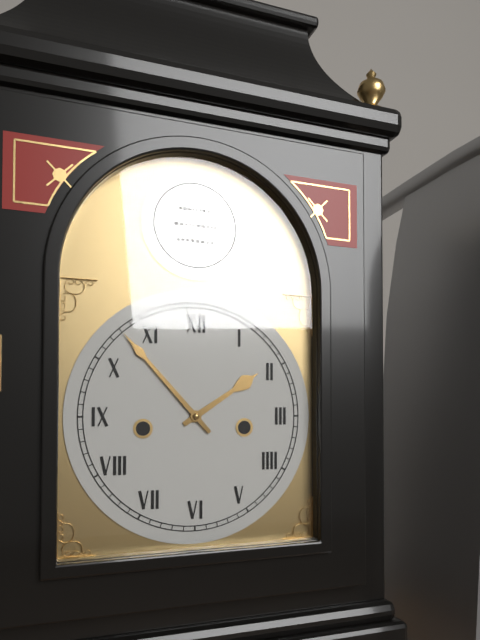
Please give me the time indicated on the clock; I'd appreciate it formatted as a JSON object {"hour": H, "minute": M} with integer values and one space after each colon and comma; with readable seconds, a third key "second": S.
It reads {"hour": 1, "minute": 53}
